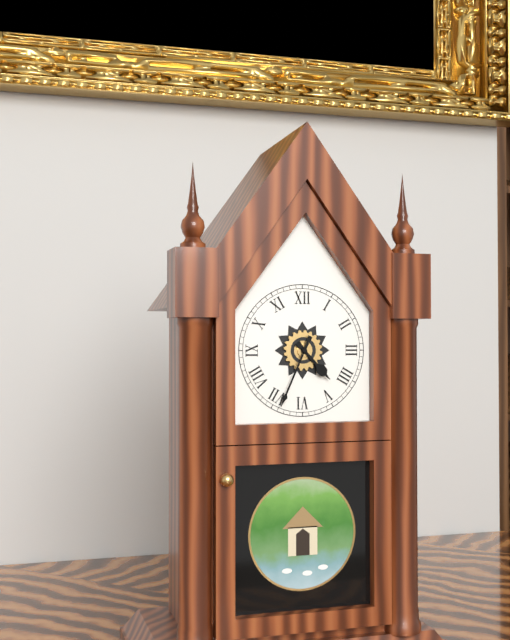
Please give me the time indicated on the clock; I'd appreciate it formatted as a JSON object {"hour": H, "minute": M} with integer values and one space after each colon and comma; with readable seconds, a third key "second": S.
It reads {"hour": 4, "minute": 34}
